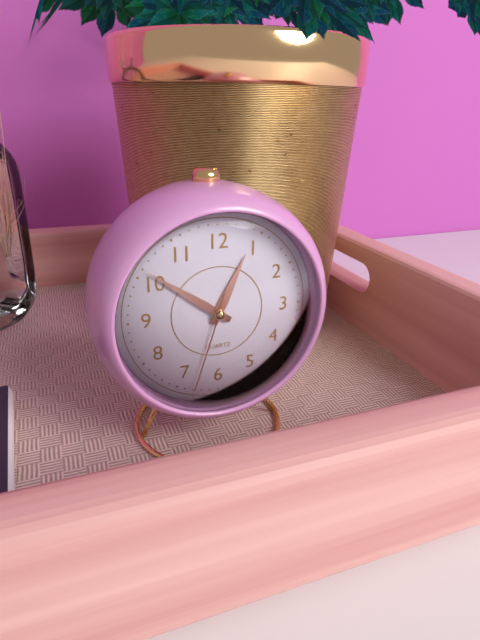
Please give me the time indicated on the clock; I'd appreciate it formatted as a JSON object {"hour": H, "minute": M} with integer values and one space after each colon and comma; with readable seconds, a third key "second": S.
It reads {"hour": 12, "minute": 51, "second": 33}
